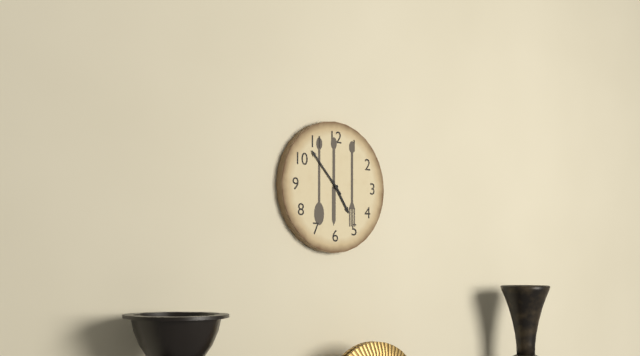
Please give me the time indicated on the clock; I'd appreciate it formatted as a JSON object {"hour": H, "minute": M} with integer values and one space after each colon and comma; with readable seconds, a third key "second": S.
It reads {"hour": 4, "minute": 53}
